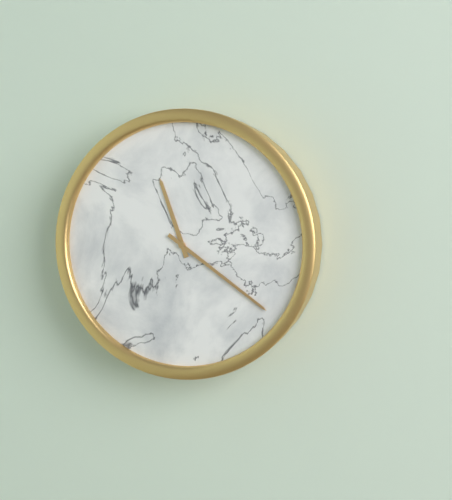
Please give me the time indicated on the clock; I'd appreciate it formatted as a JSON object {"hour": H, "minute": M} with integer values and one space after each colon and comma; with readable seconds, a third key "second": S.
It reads {"hour": 11, "minute": 21}
